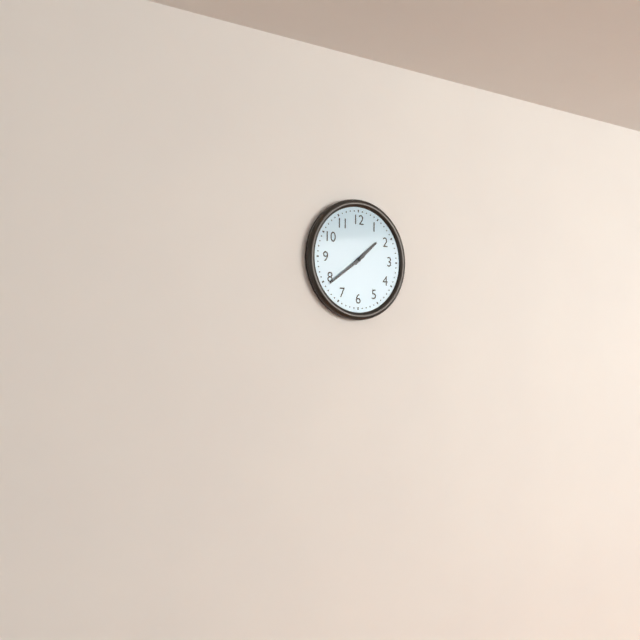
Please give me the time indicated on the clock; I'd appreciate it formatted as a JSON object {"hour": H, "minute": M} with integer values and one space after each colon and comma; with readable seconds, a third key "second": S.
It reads {"hour": 1, "minute": 39}
